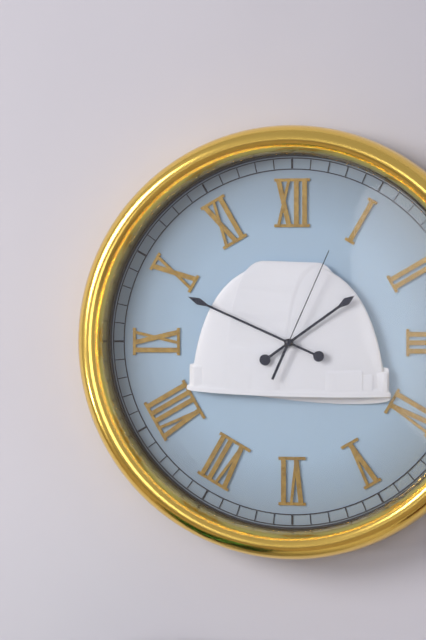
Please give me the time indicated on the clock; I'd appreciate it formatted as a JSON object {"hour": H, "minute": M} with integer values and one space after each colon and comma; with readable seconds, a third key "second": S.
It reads {"hour": 1, "minute": 49, "second": 4}
